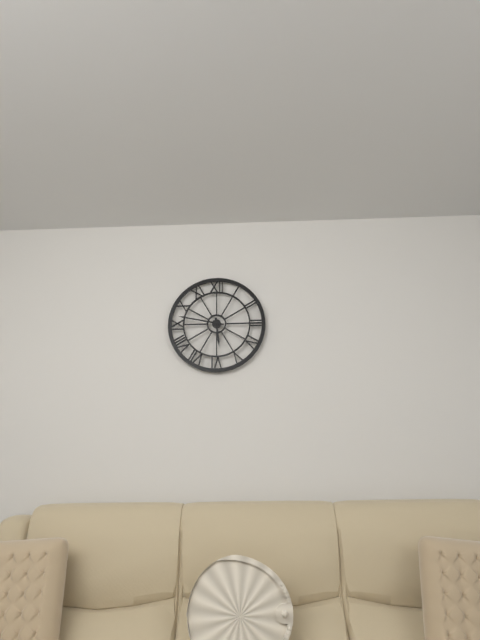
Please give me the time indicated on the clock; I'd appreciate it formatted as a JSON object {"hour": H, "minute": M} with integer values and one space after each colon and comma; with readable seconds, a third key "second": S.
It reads {"hour": 5, "minute": 47}
